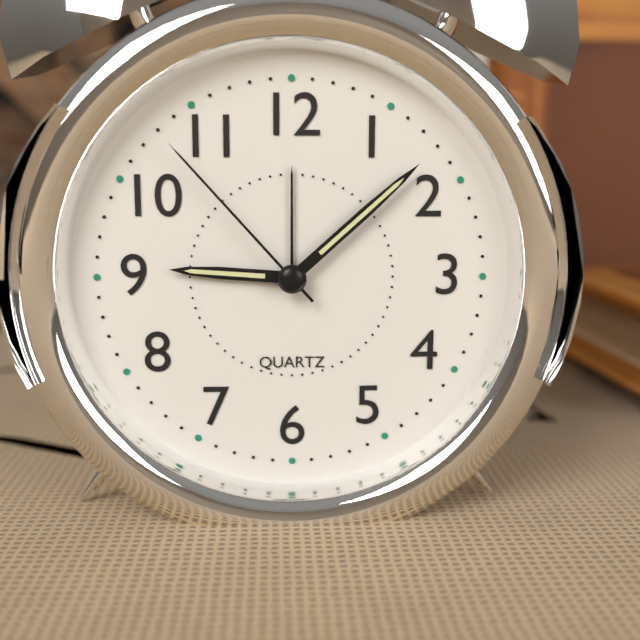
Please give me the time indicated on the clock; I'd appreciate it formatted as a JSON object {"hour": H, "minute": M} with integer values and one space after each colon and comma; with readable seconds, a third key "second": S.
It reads {"hour": 9, "minute": 8, "second": 53}
